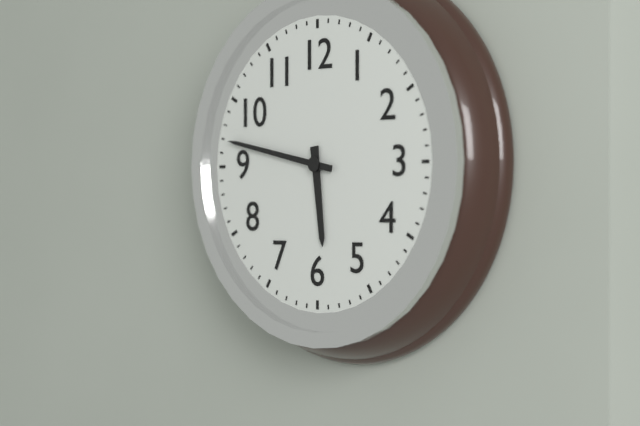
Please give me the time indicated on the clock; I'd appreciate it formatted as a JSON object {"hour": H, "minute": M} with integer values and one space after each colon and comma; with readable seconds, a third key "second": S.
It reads {"hour": 5, "minute": 47}
